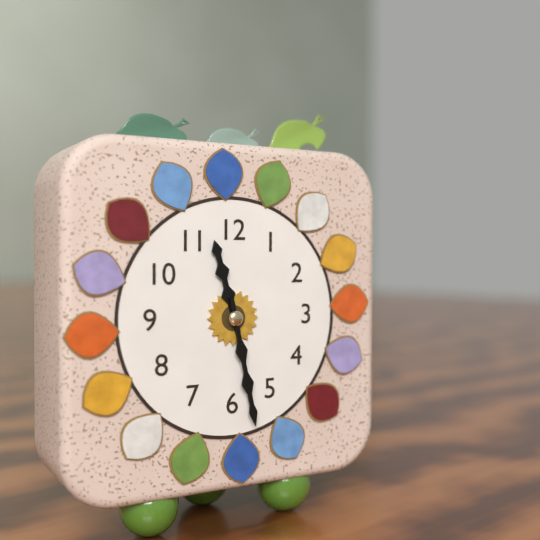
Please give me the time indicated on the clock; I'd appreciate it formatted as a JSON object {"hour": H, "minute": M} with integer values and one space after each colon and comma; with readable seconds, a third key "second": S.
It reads {"hour": 11, "minute": 28}
